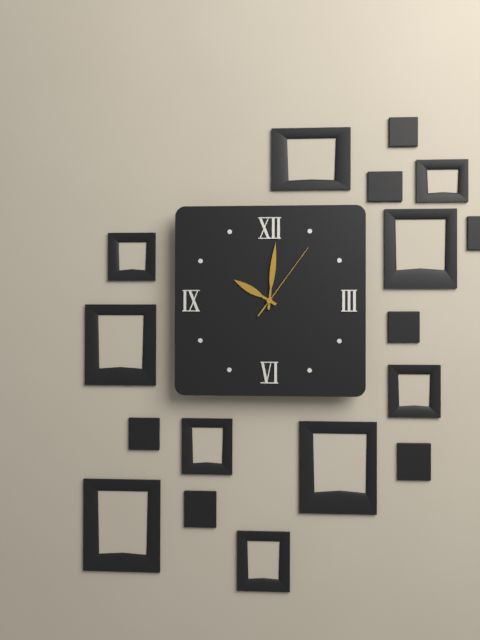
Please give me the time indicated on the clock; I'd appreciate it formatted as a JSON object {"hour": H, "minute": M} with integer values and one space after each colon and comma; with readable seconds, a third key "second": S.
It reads {"hour": 10, "minute": 1, "second": 6}
